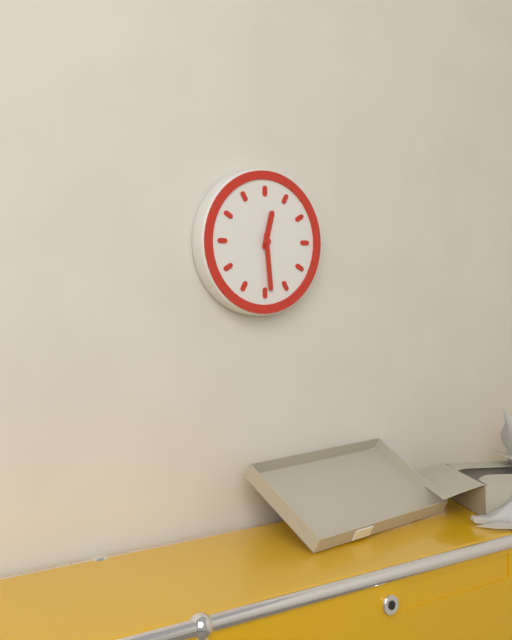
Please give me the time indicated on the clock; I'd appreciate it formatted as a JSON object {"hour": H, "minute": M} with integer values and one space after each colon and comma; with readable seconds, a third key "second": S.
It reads {"hour": 12, "minute": 29}
